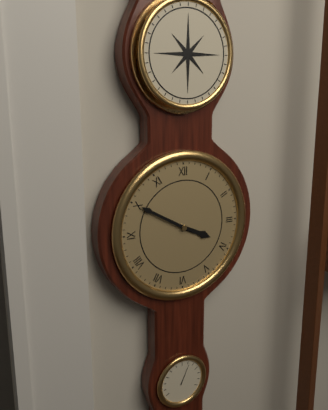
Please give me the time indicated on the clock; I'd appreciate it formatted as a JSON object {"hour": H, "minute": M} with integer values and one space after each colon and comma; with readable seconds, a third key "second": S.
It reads {"hour": 3, "minute": 50}
